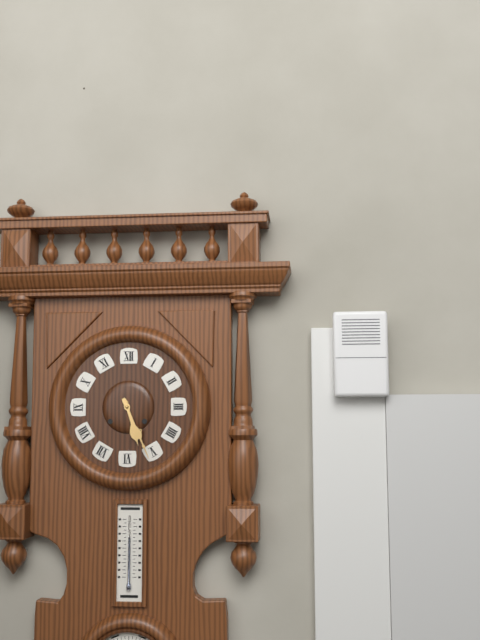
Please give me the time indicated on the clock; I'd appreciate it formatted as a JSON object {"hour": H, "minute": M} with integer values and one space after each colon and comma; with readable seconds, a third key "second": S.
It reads {"hour": 5, "minute": 26}
